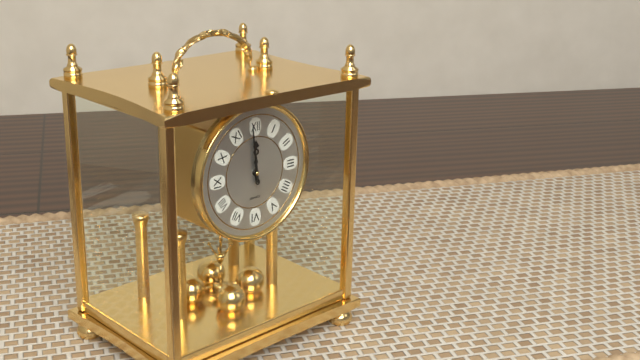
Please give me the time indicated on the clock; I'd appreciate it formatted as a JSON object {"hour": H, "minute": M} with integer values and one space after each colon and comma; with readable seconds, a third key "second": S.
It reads {"hour": 11, "minute": 59}
